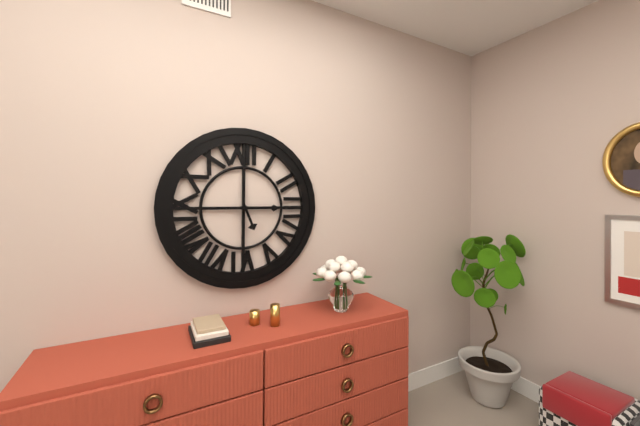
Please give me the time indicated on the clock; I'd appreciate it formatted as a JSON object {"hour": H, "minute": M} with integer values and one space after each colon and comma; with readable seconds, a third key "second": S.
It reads {"hour": 5, "minute": 15}
